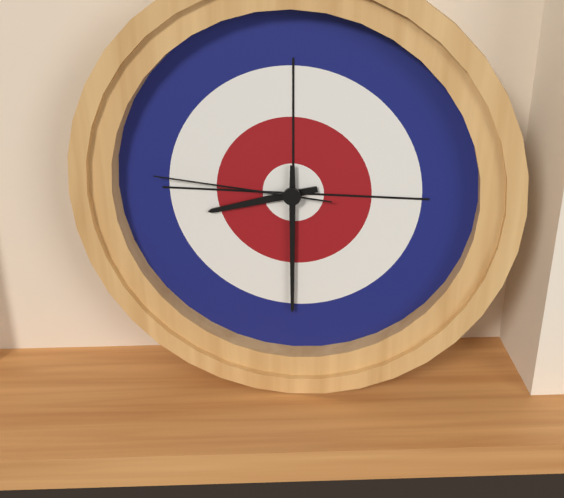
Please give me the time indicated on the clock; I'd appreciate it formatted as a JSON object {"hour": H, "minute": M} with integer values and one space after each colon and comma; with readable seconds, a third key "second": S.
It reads {"hour": 8, "minute": 30, "second": 46}
